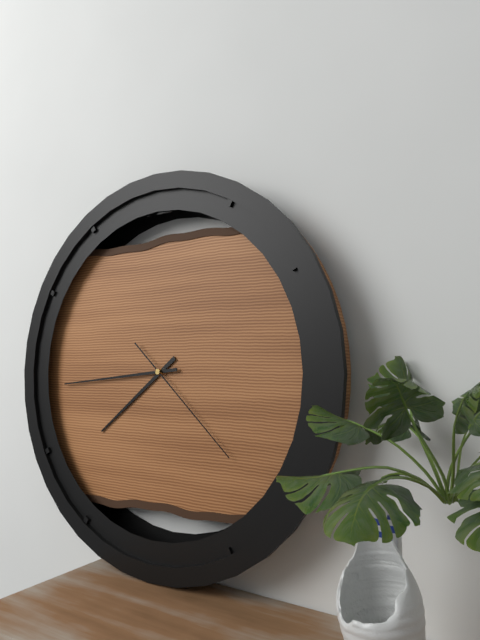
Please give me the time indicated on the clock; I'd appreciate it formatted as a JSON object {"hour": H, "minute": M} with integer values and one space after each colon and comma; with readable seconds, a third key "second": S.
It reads {"hour": 7, "minute": 44, "second": 22}
